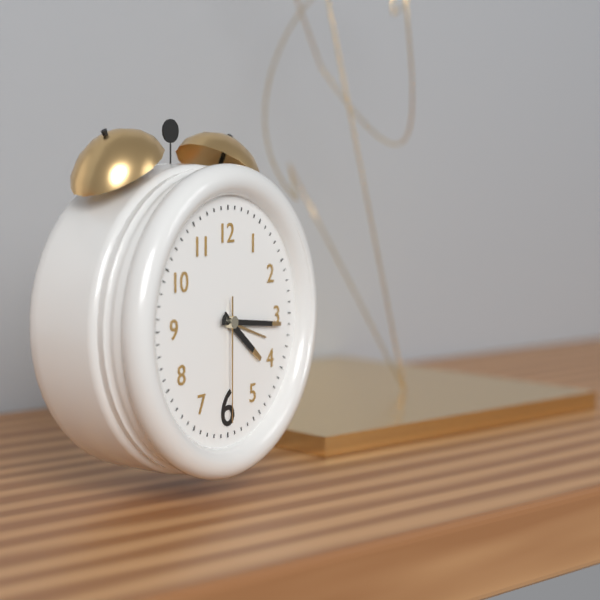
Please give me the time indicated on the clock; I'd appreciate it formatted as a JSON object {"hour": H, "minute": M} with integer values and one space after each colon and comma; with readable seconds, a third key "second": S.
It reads {"hour": 4, "minute": 16, "second": 30}
